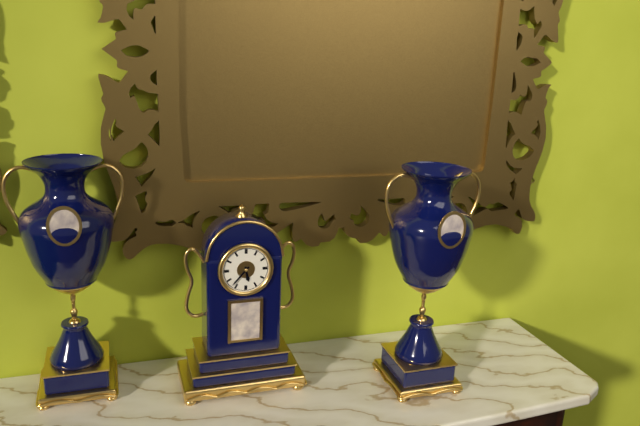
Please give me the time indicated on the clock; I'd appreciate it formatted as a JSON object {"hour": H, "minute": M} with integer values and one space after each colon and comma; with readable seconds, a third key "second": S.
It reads {"hour": 5, "minute": 37}
